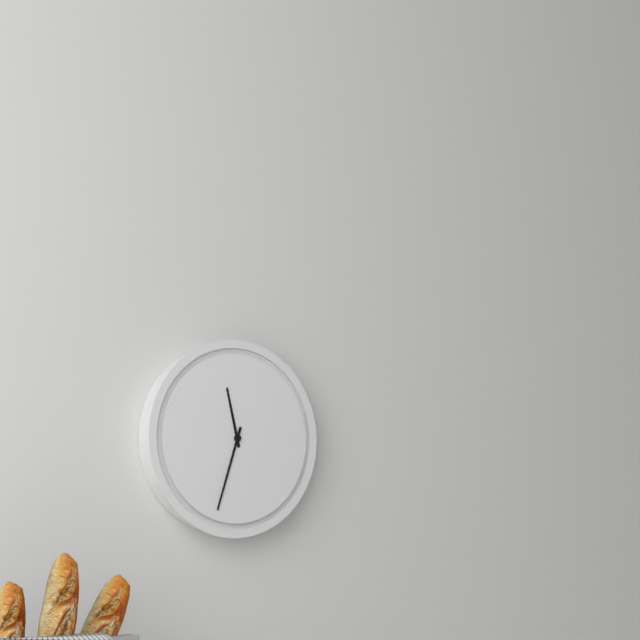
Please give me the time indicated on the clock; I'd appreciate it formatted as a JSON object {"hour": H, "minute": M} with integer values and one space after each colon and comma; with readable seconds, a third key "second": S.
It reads {"hour": 11, "minute": 33}
